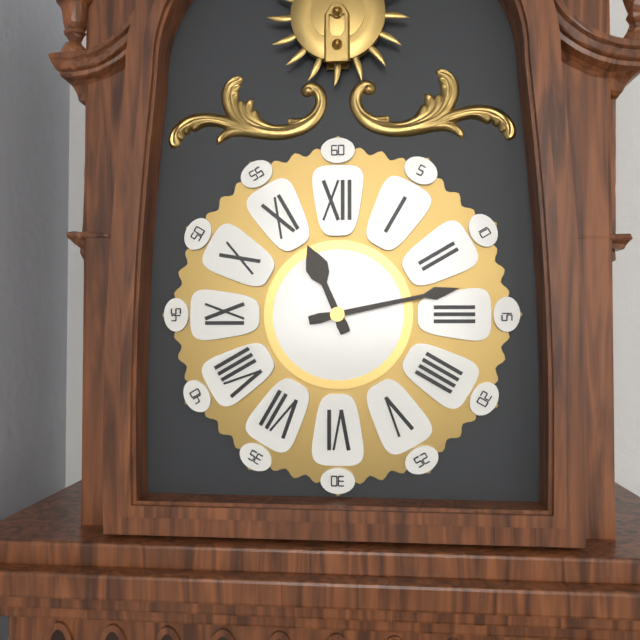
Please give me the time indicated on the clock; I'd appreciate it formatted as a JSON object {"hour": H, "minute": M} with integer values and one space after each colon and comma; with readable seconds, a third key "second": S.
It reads {"hour": 11, "minute": 13}
